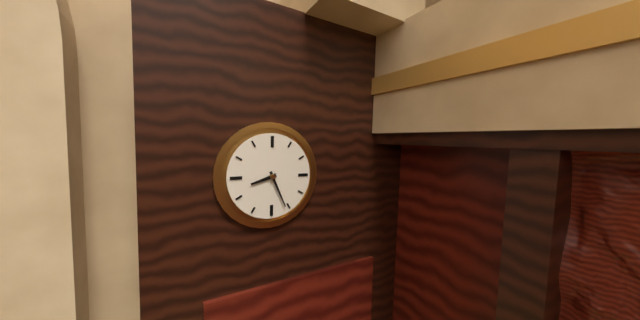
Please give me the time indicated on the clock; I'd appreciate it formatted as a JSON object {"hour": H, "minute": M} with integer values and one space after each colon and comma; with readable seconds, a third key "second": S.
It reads {"hour": 8, "minute": 26}
